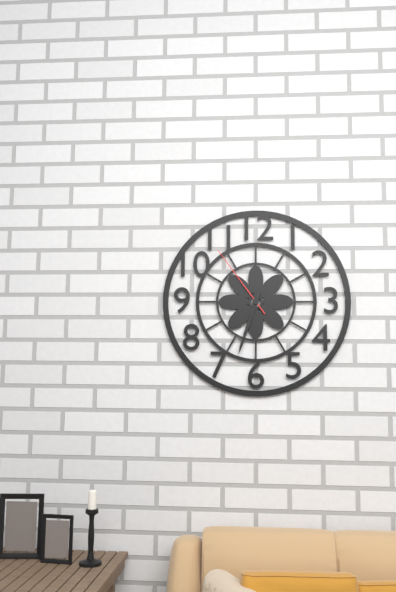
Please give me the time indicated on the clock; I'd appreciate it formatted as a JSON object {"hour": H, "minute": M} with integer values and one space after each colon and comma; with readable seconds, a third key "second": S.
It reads {"hour": 6, "minute": 33, "second": 54}
